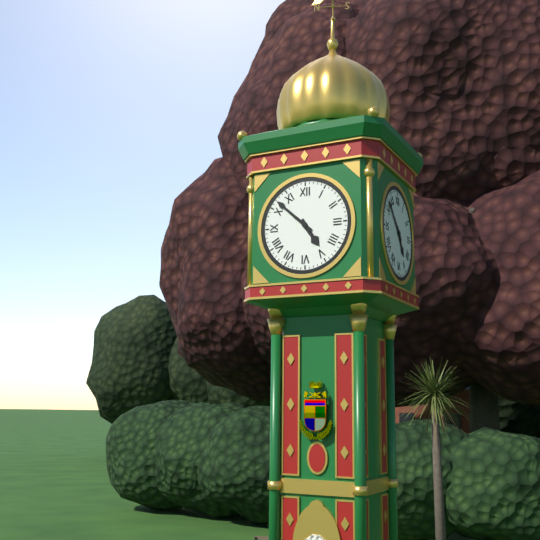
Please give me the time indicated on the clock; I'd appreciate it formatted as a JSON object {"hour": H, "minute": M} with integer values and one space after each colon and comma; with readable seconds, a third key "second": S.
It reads {"hour": 4, "minute": 52}
